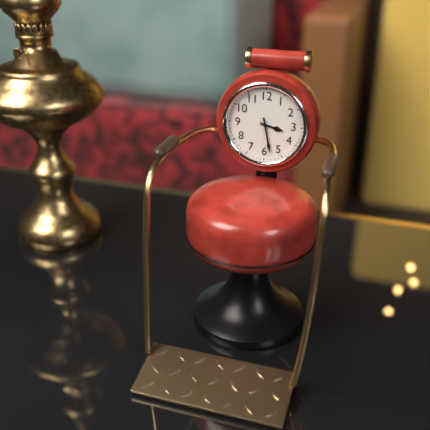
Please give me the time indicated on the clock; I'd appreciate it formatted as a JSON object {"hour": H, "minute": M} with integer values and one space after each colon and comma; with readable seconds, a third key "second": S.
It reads {"hour": 3, "minute": 28}
